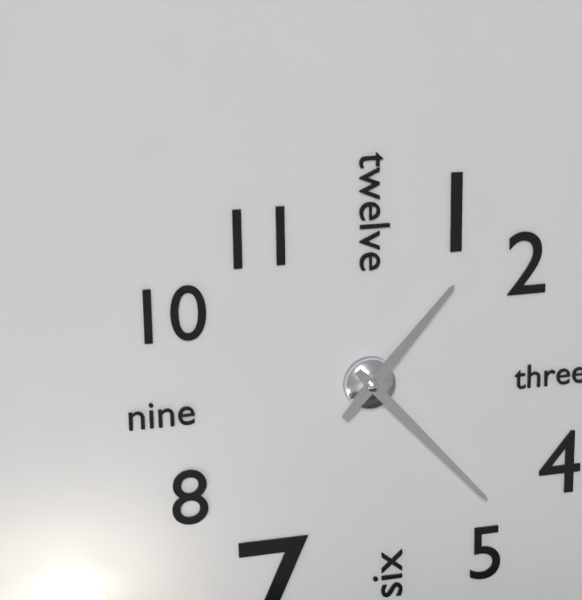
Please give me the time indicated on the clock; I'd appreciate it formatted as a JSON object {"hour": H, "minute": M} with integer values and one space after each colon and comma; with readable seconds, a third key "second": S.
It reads {"hour": 1, "minute": 23}
